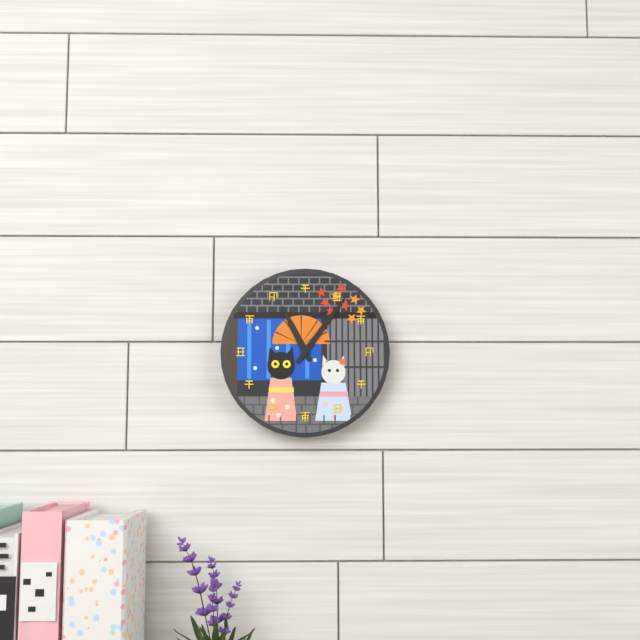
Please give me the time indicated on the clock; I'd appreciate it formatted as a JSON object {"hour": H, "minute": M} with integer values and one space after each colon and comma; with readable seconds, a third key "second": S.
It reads {"hour": 11, "minute": 6}
